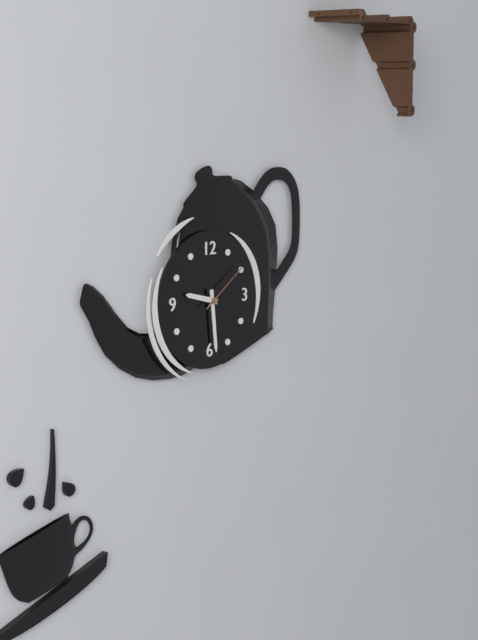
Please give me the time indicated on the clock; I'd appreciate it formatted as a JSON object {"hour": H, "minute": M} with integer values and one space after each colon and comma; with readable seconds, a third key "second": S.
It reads {"hour": 9, "minute": 29, "second": 9}
